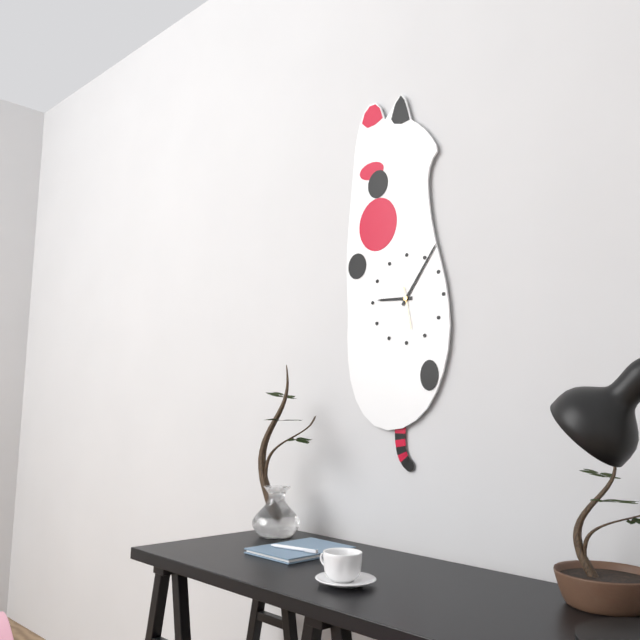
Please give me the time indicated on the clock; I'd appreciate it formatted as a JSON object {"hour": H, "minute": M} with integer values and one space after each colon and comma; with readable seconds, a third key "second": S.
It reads {"hour": 9, "minute": 6}
